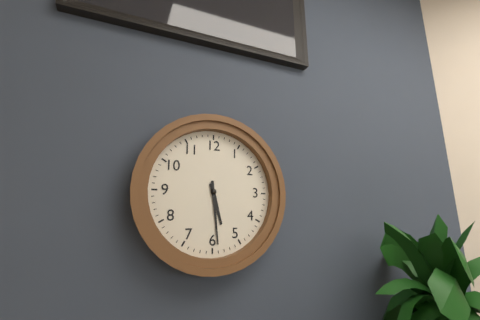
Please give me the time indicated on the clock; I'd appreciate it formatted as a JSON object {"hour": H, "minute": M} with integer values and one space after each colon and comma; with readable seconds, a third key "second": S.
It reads {"hour": 5, "minute": 29}
